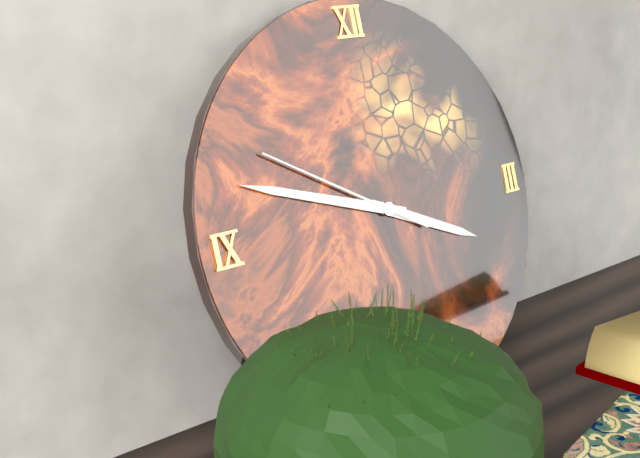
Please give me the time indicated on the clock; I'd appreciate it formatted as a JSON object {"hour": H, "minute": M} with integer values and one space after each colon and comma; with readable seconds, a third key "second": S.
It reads {"hour": 3, "minute": 48, "second": 50}
